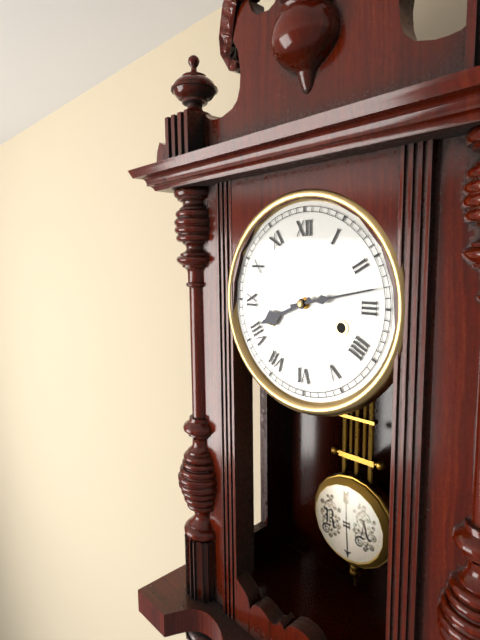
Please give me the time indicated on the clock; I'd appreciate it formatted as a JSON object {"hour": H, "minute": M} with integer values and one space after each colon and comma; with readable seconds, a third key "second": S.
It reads {"hour": 8, "minute": 13}
